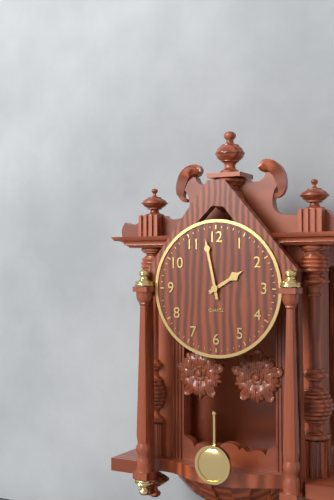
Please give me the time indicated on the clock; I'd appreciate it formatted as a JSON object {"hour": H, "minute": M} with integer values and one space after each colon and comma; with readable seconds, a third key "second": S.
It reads {"hour": 1, "minute": 58}
